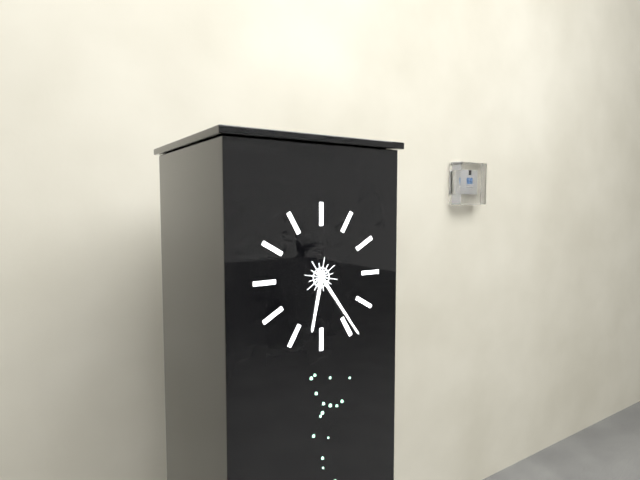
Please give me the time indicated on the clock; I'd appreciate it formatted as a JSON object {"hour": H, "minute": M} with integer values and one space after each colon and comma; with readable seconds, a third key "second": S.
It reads {"hour": 6, "minute": 24}
